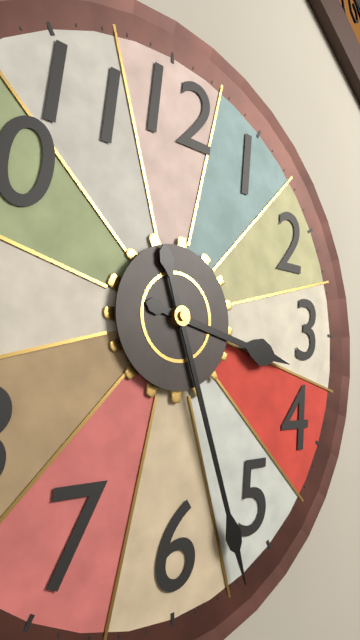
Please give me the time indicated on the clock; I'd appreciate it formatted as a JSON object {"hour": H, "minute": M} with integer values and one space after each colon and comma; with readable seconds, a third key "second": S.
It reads {"hour": 3, "minute": 27}
